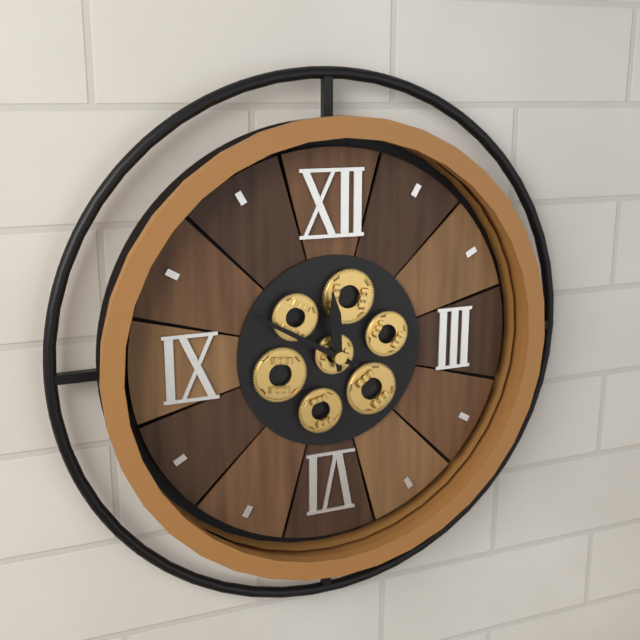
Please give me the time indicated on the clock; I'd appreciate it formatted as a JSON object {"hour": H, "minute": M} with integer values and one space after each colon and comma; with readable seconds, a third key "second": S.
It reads {"hour": 11, "minute": 50}
